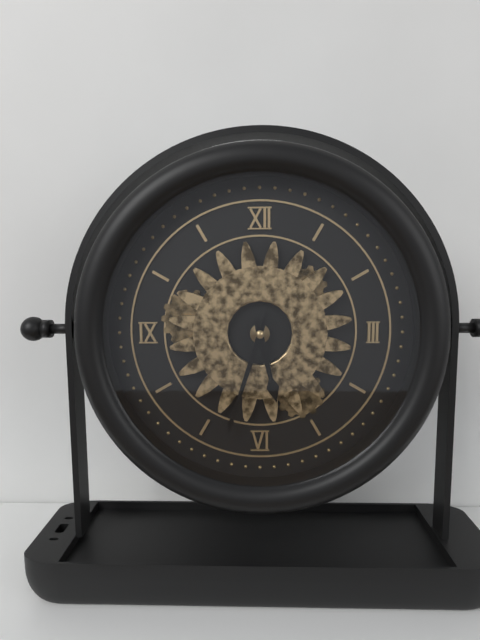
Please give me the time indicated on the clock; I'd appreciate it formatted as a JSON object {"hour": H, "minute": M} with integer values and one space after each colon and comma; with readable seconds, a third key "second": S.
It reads {"hour": 5, "minute": 33}
